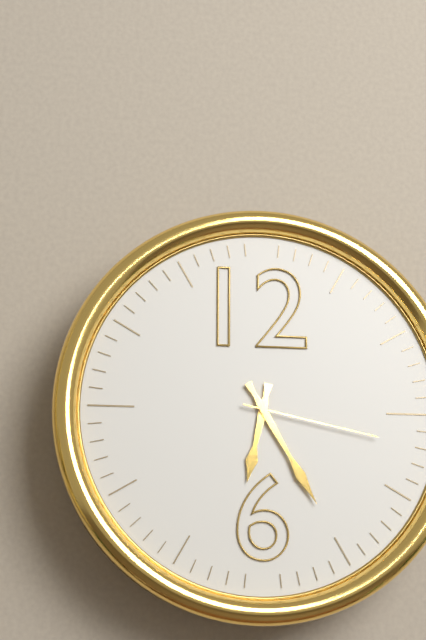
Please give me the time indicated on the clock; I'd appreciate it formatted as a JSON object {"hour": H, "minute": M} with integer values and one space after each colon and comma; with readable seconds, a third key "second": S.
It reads {"hour": 6, "minute": 25, "second": 17}
